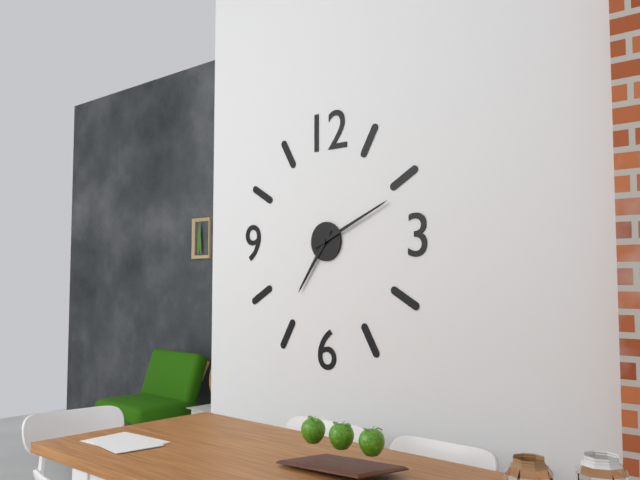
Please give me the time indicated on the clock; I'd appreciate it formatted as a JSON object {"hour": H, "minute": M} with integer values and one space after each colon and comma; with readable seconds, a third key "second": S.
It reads {"hour": 7, "minute": 11}
